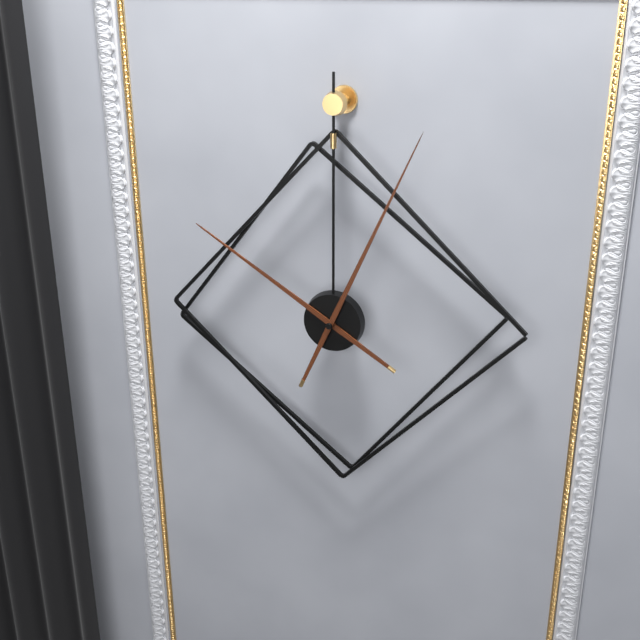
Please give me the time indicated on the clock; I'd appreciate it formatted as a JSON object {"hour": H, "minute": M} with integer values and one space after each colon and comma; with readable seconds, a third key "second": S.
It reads {"hour": 10, "minute": 4}
